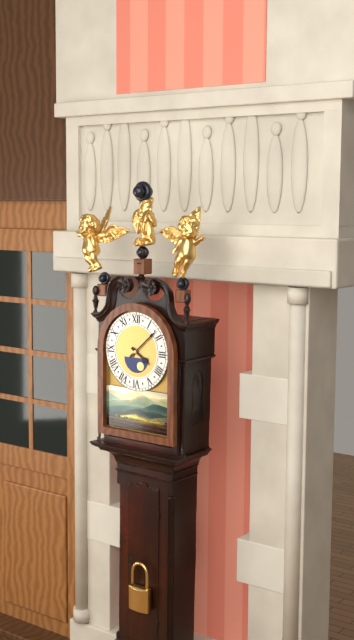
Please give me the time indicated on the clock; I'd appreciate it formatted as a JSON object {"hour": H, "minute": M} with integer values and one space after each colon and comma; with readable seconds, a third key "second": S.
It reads {"hour": 4, "minute": 8}
